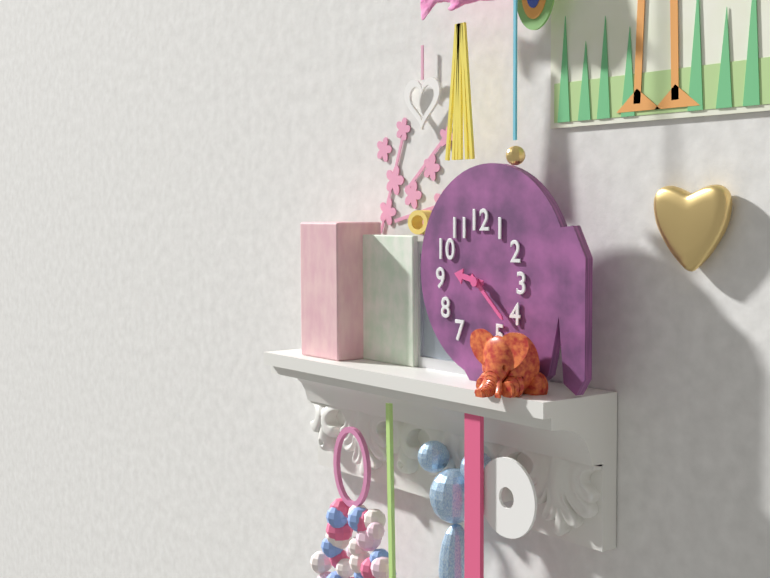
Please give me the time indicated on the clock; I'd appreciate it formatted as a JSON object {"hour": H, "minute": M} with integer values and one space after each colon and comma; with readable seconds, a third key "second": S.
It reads {"hour": 9, "minute": 22}
